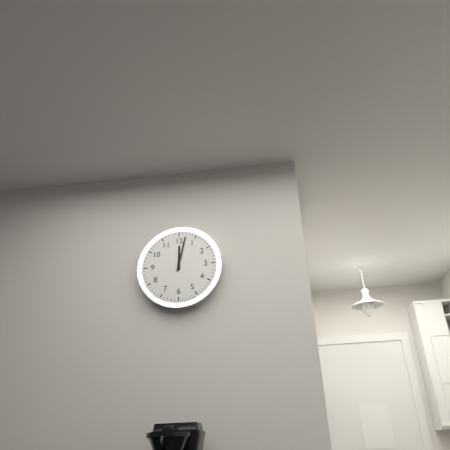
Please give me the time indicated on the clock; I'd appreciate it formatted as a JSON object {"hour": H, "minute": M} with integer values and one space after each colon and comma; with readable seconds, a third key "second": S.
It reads {"hour": 12, "minute": 2}
